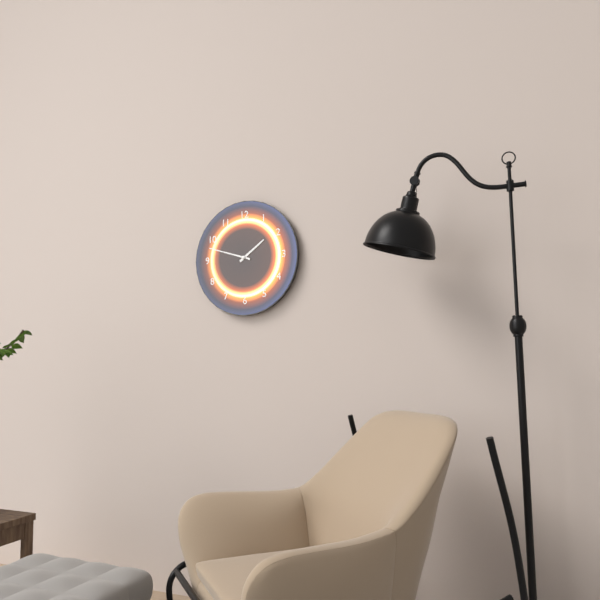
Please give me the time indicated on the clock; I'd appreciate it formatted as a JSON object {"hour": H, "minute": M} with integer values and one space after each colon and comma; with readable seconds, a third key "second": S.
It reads {"hour": 1, "minute": 48}
